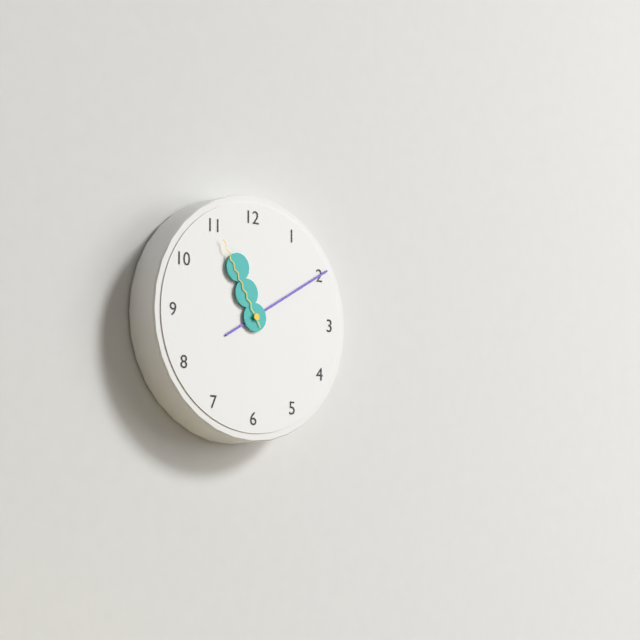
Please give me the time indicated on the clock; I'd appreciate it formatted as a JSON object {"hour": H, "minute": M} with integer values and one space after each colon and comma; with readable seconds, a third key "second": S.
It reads {"hour": 11, "minute": 10, "second": 55}
